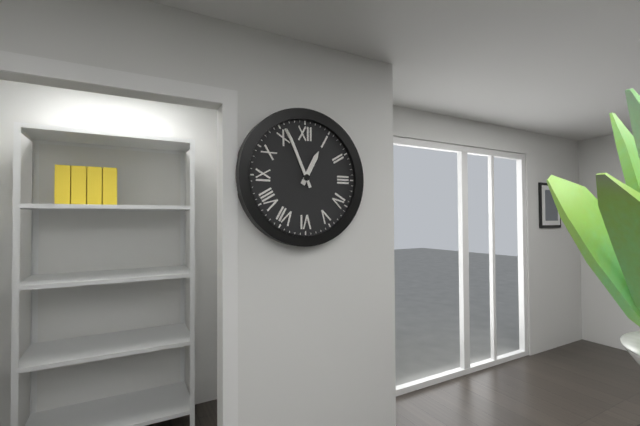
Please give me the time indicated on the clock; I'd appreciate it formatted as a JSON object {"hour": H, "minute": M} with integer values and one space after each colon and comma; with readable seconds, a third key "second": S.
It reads {"hour": 12, "minute": 56}
